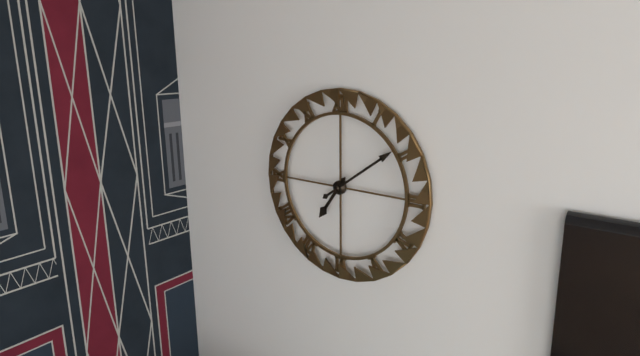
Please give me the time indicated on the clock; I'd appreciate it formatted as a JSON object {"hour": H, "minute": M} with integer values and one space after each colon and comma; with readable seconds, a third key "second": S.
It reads {"hour": 7, "minute": 9}
